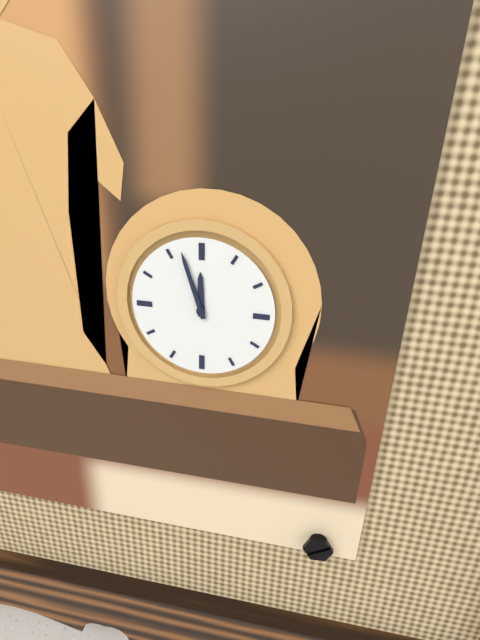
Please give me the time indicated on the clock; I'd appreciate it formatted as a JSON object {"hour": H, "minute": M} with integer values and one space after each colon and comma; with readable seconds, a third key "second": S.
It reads {"hour": 11, "minute": 57}
